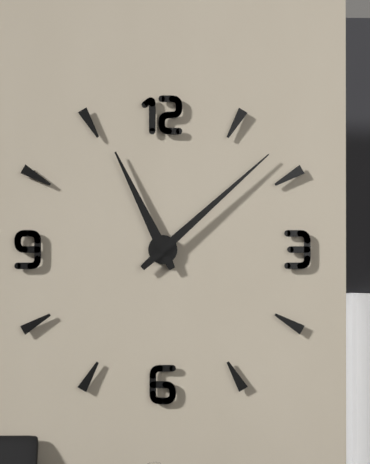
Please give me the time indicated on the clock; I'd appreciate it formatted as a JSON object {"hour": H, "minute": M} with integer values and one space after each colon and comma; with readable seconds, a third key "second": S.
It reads {"hour": 11, "minute": 8}
